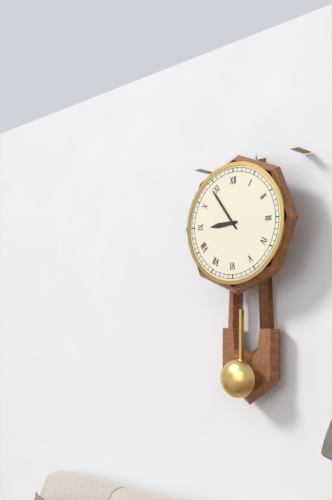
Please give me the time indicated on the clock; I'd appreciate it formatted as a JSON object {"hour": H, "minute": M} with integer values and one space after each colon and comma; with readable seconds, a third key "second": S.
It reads {"hour": 8, "minute": 54}
